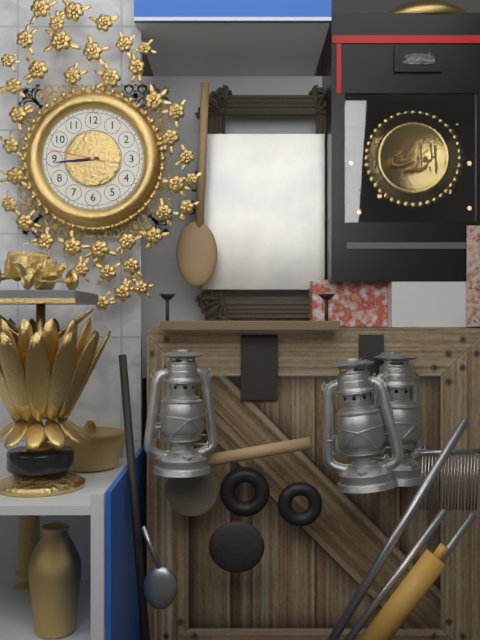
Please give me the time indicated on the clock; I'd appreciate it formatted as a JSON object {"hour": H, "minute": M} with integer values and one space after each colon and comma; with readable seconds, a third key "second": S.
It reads {"hour": 8, "minute": 44, "second": 47}
